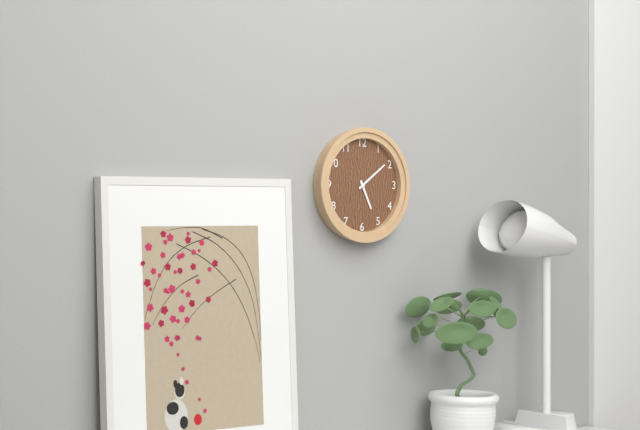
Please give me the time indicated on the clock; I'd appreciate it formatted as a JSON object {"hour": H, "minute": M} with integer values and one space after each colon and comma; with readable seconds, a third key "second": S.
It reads {"hour": 5, "minute": 9}
